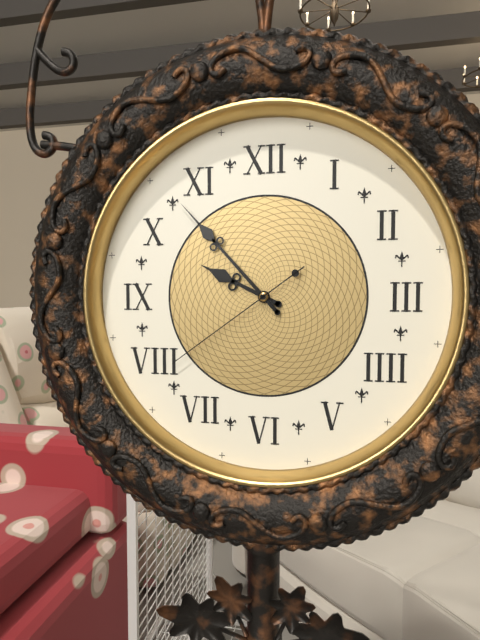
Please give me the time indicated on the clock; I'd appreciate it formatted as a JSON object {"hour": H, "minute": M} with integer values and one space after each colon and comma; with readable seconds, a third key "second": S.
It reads {"hour": 9, "minute": 53, "second": 39}
